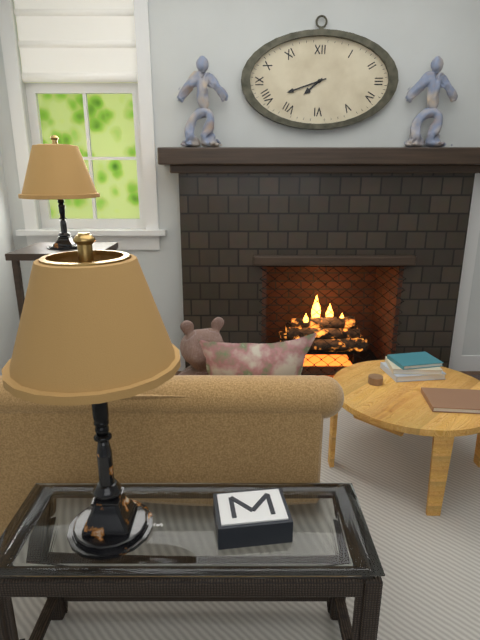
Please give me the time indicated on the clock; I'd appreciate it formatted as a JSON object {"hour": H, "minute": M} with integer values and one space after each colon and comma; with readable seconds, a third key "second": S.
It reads {"hour": 7, "minute": 42}
